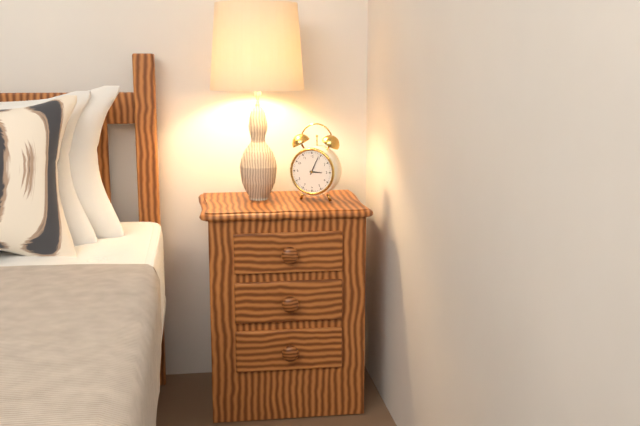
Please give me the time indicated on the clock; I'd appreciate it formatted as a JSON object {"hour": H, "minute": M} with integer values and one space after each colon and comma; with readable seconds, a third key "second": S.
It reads {"hour": 3, "minute": 4}
